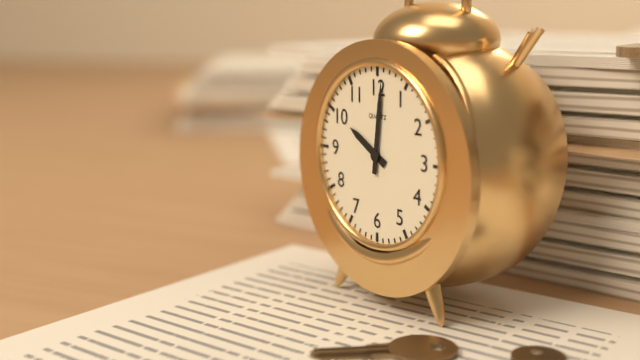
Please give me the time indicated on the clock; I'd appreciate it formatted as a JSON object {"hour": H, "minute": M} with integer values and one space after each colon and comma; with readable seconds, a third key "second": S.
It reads {"hour": 10, "minute": 1}
